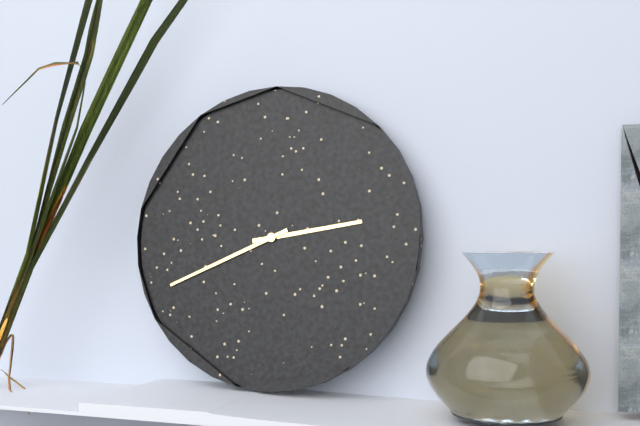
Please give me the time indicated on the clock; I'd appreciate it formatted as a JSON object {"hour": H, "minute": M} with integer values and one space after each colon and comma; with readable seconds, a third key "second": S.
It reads {"hour": 2, "minute": 41}
